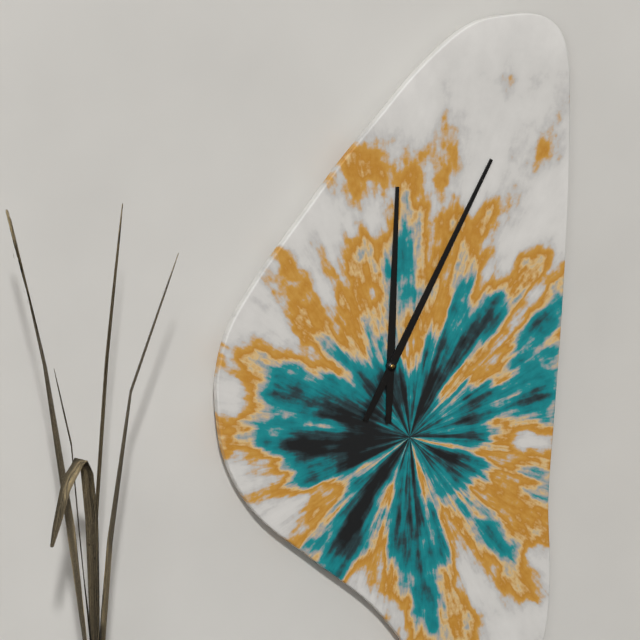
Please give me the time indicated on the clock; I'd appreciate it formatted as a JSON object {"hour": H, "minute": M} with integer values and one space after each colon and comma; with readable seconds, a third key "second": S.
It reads {"hour": 12, "minute": 5}
